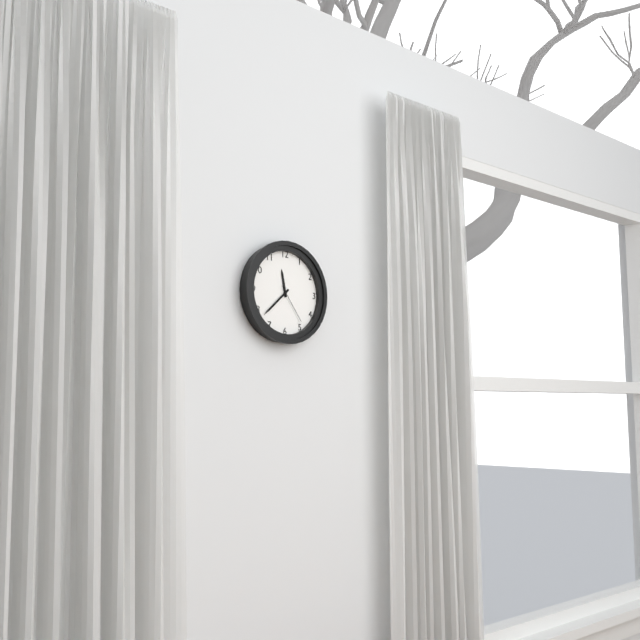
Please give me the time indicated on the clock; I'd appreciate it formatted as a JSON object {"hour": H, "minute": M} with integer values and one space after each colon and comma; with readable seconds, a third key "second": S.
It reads {"hour": 11, "minute": 38}
